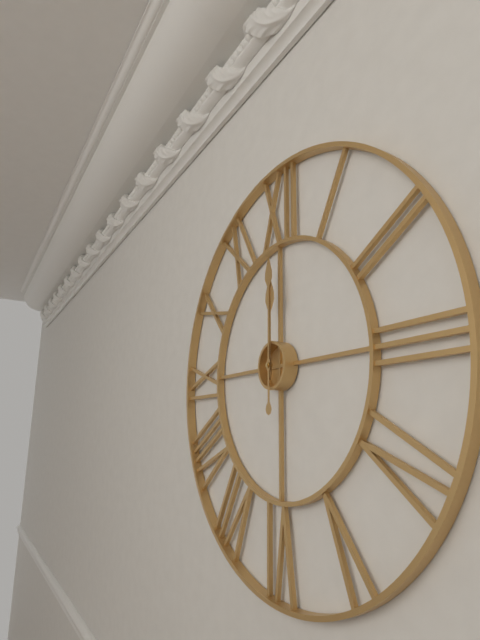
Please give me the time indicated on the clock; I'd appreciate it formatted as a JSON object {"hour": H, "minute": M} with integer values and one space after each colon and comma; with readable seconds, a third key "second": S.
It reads {"hour": 12, "minute": 0}
